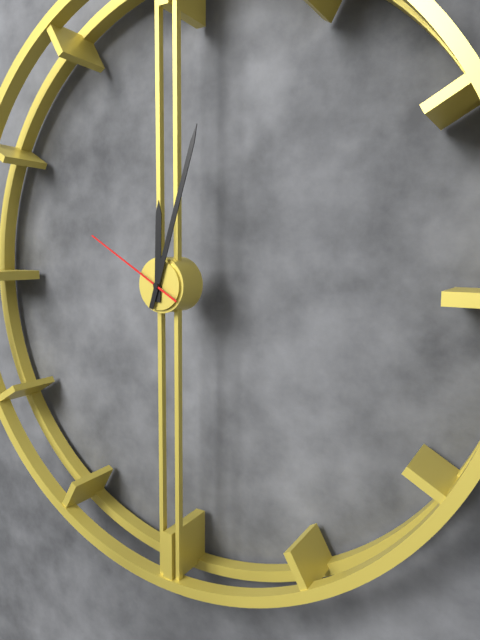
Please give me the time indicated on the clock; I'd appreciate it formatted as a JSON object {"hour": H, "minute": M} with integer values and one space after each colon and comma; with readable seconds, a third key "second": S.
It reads {"hour": 12, "minute": 3, "second": 50}
